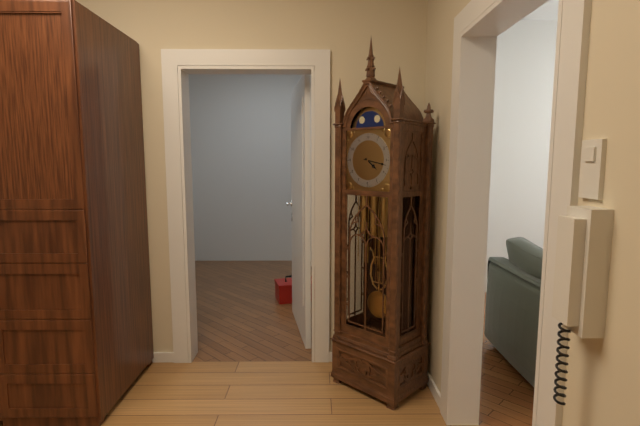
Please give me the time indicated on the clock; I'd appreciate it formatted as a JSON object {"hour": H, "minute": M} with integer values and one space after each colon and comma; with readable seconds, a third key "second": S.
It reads {"hour": 4, "minute": 17}
